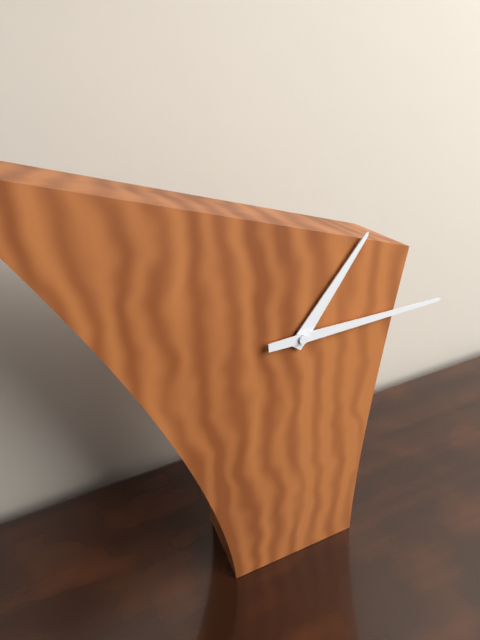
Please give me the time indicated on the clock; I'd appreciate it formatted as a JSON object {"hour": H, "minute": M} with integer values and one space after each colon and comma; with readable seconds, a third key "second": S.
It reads {"hour": 1, "minute": 15}
